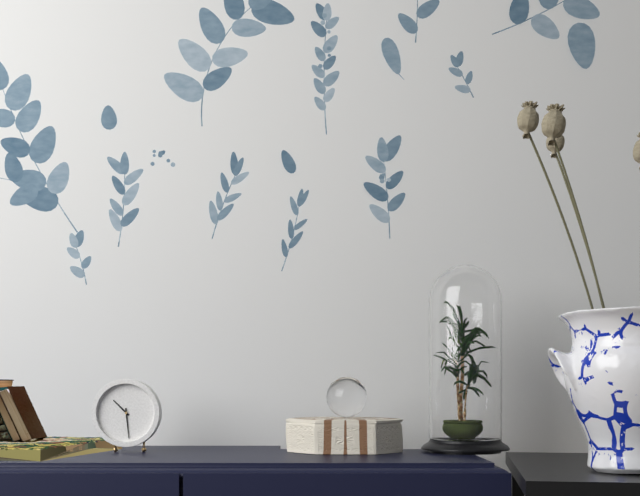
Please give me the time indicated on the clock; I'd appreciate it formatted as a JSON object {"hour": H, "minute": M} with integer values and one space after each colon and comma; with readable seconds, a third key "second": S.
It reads {"hour": 10, "minute": 29}
